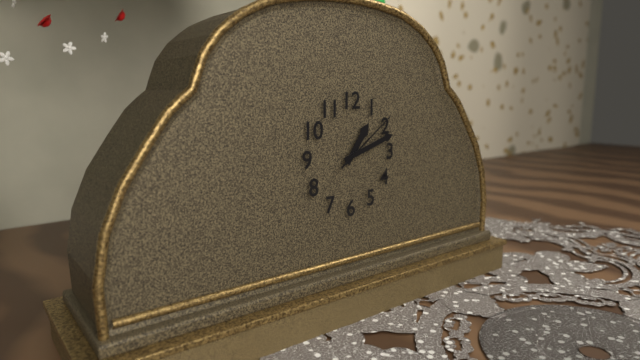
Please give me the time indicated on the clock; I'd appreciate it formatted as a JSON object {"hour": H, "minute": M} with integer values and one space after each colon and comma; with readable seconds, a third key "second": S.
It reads {"hour": 1, "minute": 12, "second": 9}
